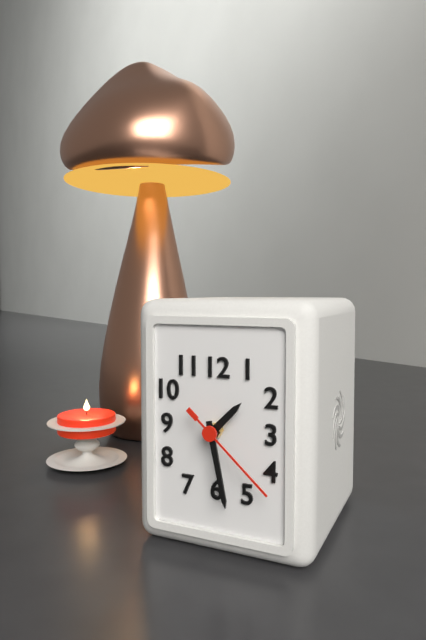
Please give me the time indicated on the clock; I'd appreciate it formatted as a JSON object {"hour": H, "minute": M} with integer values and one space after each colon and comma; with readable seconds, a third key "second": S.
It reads {"hour": 1, "minute": 28, "second": 22}
